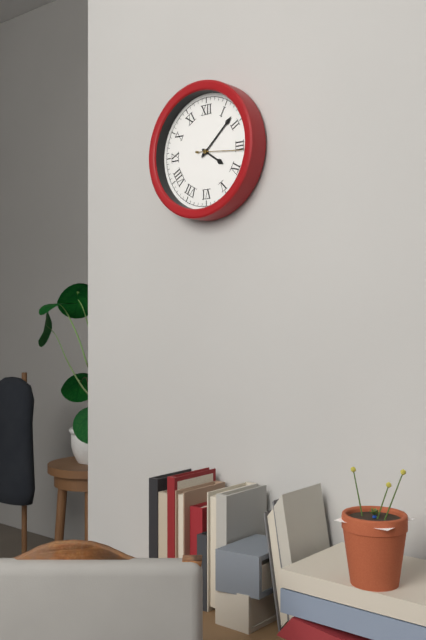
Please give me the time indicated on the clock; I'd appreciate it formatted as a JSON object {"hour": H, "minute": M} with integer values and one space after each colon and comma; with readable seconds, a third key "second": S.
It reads {"hour": 4, "minute": 8}
